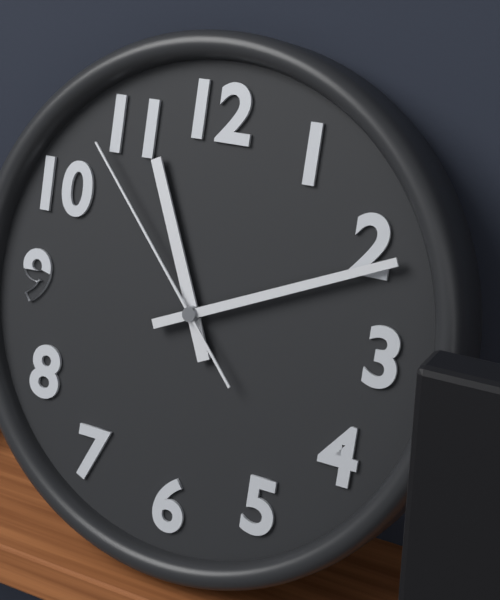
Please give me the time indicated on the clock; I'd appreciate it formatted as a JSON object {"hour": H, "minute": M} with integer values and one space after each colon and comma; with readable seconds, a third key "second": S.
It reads {"hour": 11, "minute": 11, "second": 53}
